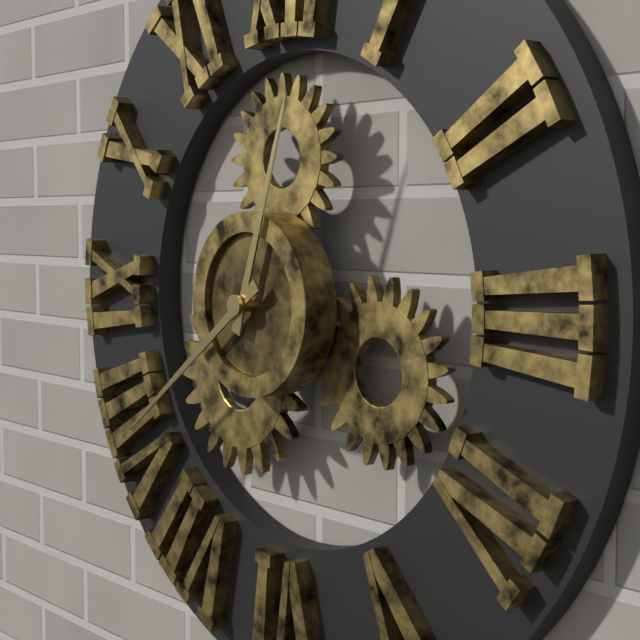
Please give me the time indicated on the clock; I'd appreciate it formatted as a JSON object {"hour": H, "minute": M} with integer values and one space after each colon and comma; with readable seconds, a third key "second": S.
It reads {"hour": 12, "minute": 39}
